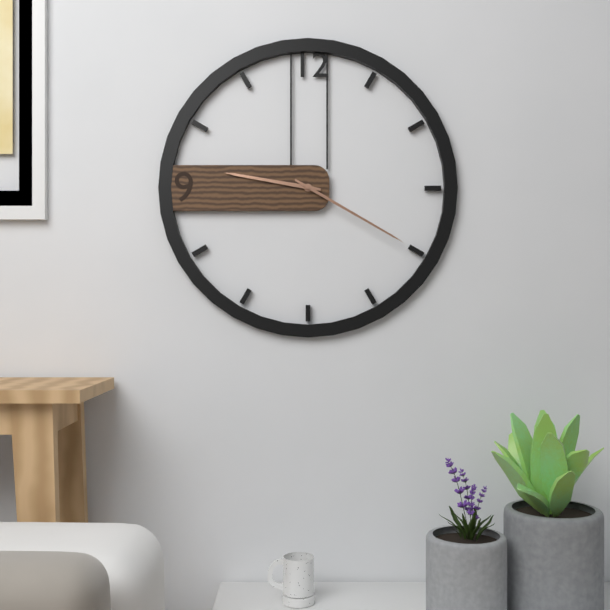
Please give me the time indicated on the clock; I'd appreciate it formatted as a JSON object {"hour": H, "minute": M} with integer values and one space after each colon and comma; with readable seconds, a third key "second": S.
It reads {"hour": 9, "minute": 20}
